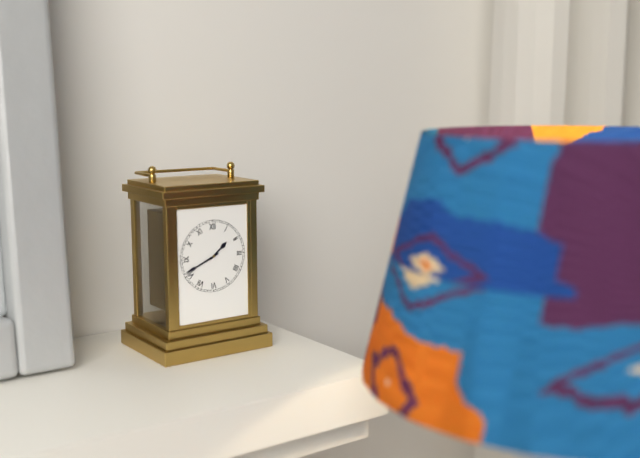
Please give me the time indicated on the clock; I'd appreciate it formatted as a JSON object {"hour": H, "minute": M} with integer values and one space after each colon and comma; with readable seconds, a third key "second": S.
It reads {"hour": 1, "minute": 41}
